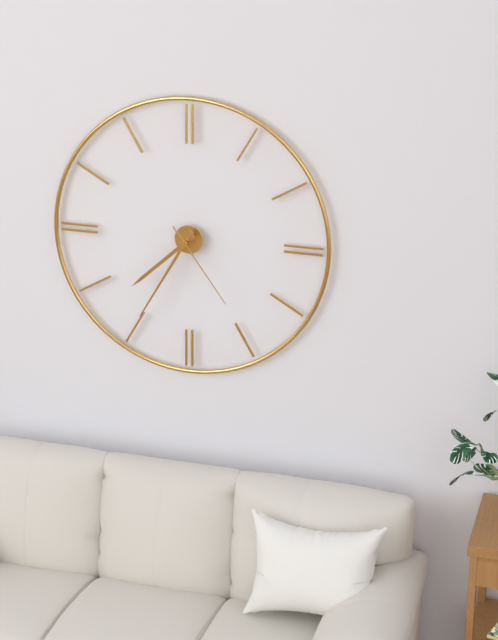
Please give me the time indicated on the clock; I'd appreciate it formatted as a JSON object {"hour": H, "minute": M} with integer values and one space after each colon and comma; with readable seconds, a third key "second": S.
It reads {"hour": 7, "minute": 35, "second": 24}
